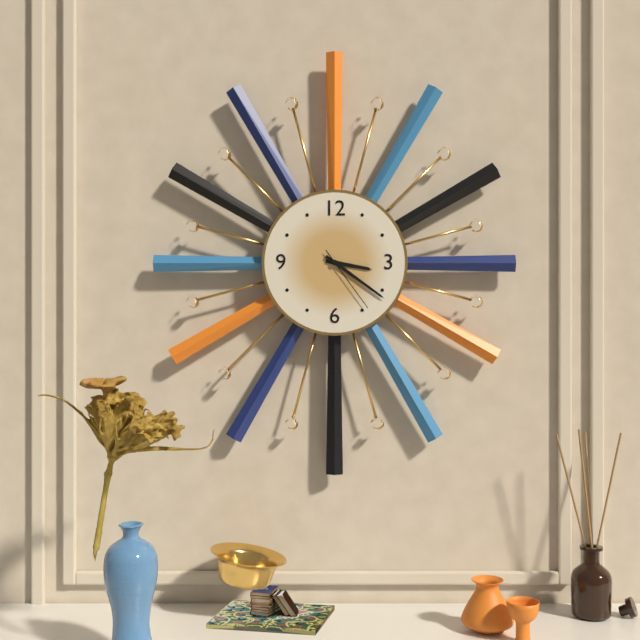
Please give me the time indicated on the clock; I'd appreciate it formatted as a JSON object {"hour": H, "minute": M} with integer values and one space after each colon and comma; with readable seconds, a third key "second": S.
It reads {"hour": 3, "minute": 21, "second": 24}
